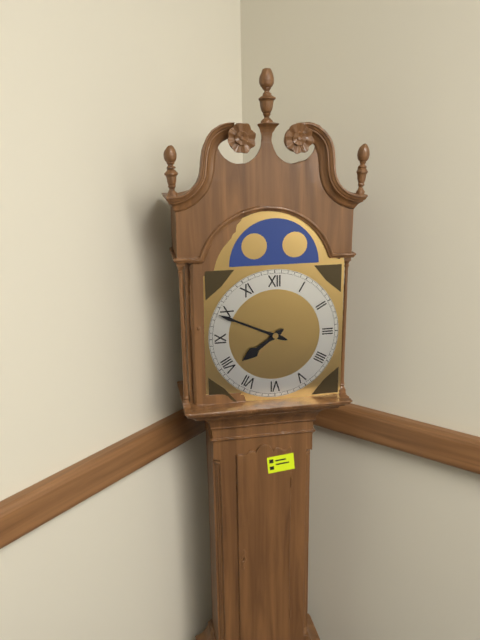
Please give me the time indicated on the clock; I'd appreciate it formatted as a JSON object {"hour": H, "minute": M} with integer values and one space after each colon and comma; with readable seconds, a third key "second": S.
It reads {"hour": 7, "minute": 49}
